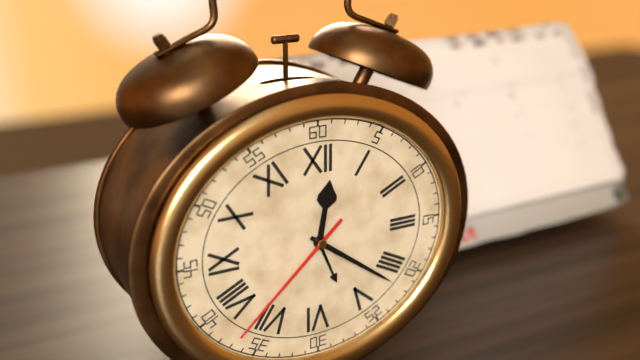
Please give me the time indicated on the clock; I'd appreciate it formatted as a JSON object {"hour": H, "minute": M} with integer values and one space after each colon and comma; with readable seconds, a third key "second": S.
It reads {"hour": 12, "minute": 21, "second": 38}
